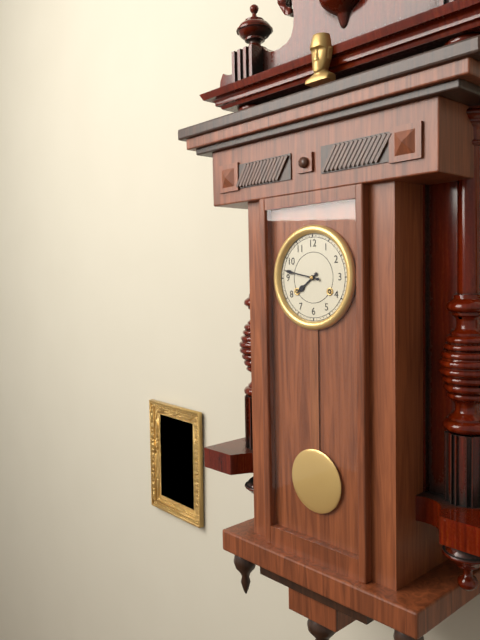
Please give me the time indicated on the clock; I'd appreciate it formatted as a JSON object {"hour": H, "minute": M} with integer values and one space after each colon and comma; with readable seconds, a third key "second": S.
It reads {"hour": 7, "minute": 47}
